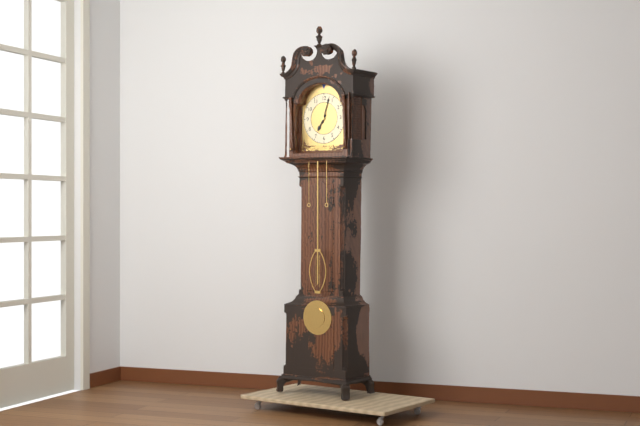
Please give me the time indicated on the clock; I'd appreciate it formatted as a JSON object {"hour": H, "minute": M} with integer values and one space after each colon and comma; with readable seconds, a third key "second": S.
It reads {"hour": 7, "minute": 3}
